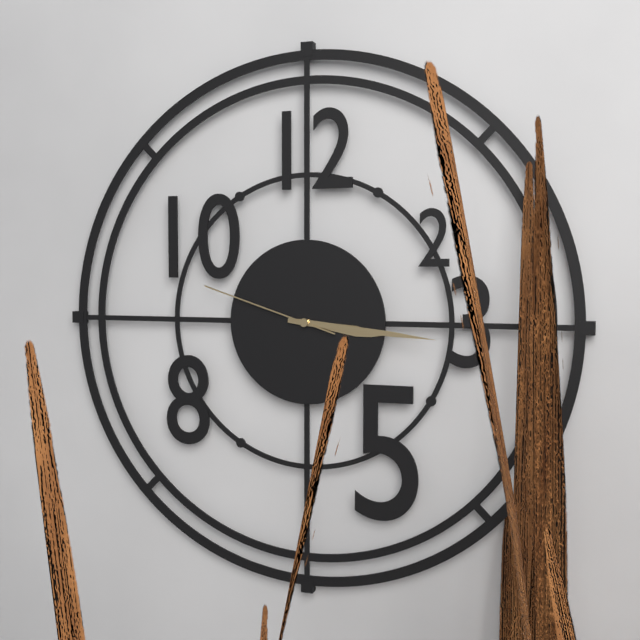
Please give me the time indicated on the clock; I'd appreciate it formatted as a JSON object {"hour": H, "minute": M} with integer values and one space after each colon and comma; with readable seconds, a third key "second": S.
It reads {"hour": 3, "minute": 16, "second": 48}
